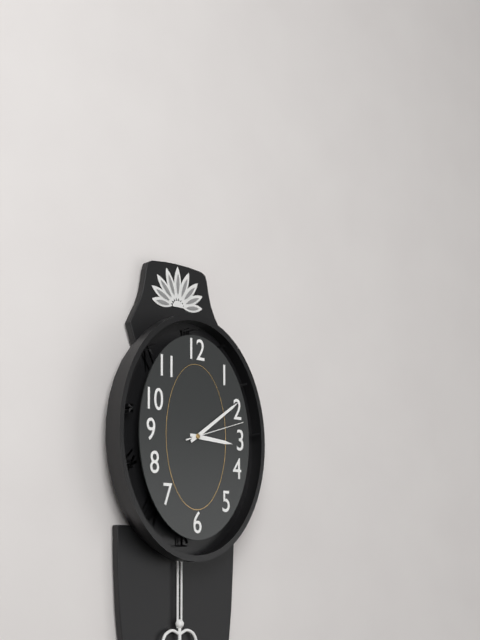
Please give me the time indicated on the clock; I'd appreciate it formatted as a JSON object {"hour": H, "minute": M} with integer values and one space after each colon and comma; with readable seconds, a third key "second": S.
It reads {"hour": 3, "minute": 9, "second": 12}
